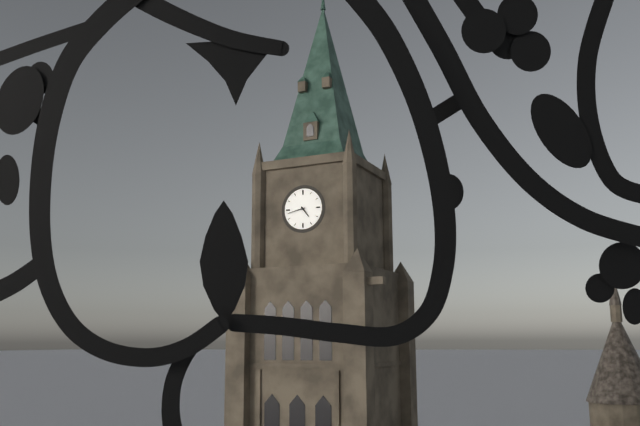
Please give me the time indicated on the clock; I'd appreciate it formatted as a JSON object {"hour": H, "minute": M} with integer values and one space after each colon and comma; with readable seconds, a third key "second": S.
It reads {"hour": 4, "minute": 43}
